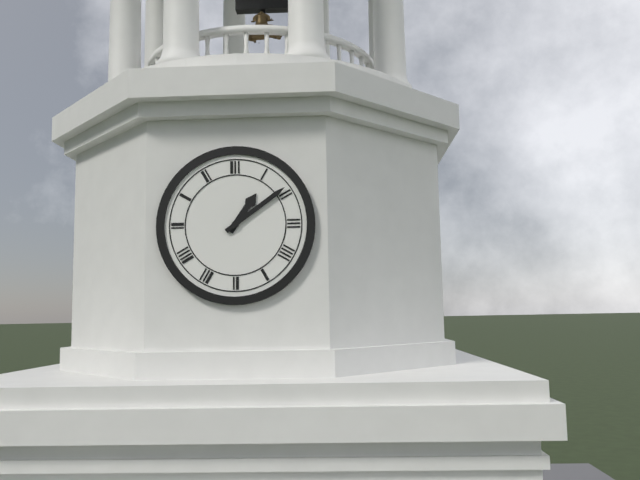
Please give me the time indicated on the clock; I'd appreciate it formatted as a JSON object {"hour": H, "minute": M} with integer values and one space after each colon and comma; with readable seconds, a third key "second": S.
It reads {"hour": 1, "minute": 9}
